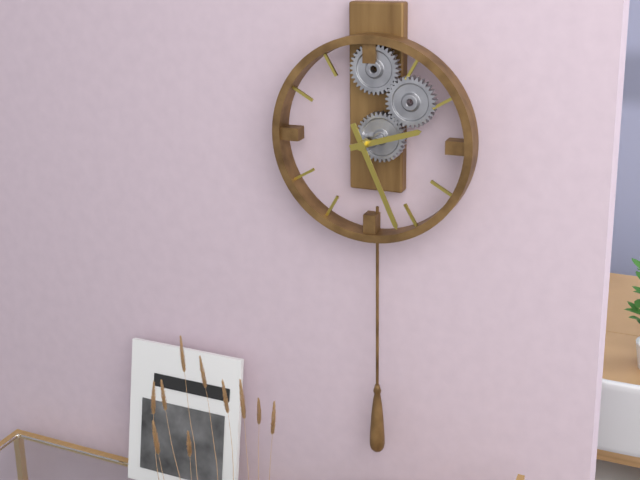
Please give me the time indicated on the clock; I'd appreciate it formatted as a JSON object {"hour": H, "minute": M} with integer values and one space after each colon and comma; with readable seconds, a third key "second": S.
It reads {"hour": 2, "minute": 26}
